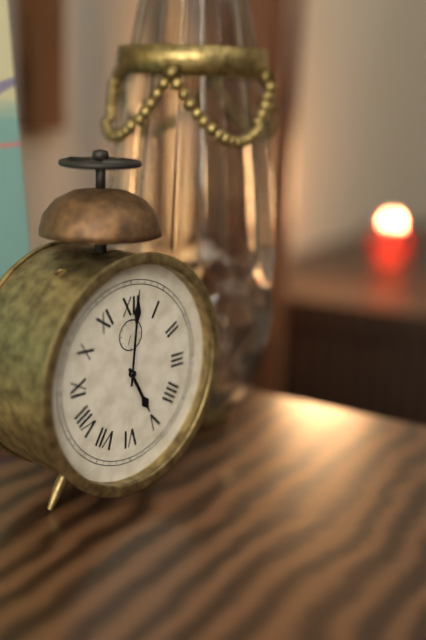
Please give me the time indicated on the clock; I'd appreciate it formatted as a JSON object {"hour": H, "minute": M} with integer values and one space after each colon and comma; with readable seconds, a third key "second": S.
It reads {"hour": 5, "minute": 1}
